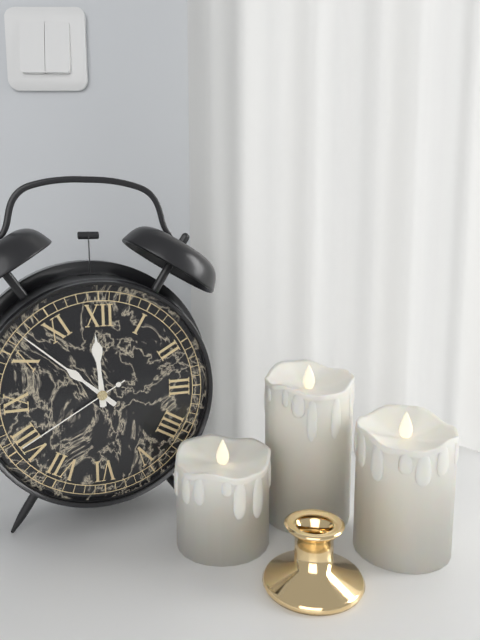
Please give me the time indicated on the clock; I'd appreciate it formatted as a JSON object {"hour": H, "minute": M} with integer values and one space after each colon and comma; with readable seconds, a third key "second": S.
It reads {"hour": 11, "minute": 52, "second": 40}
